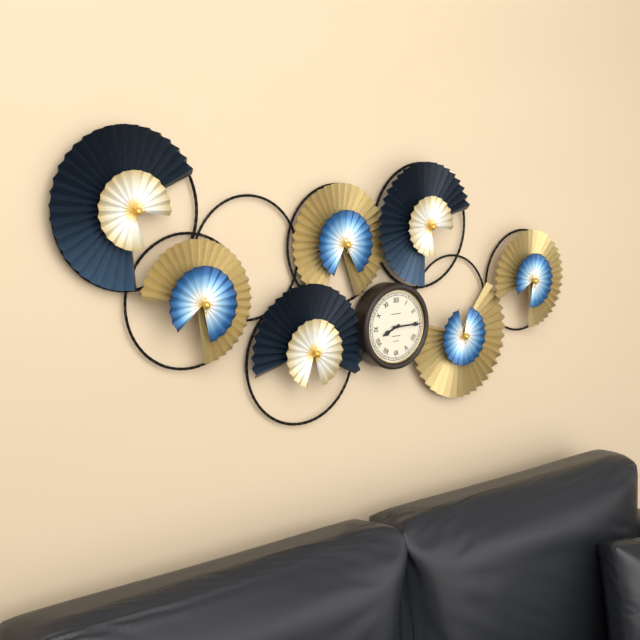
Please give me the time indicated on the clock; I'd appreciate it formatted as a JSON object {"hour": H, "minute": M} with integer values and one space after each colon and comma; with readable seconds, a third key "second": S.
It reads {"hour": 8, "minute": 15}
